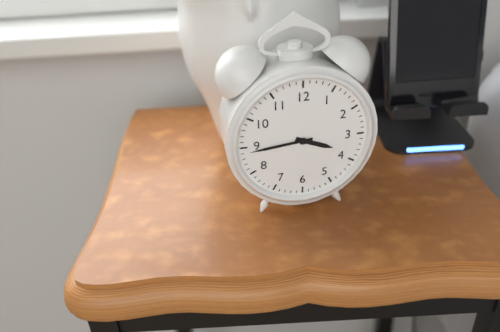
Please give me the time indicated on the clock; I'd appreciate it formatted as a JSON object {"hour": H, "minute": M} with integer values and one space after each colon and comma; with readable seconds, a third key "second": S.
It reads {"hour": 3, "minute": 44}
